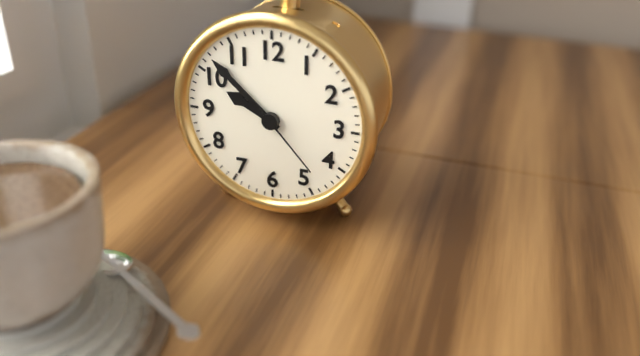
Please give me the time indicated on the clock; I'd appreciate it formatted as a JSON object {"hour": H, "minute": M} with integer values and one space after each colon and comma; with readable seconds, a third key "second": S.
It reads {"hour": 9, "minute": 52, "second": 23}
